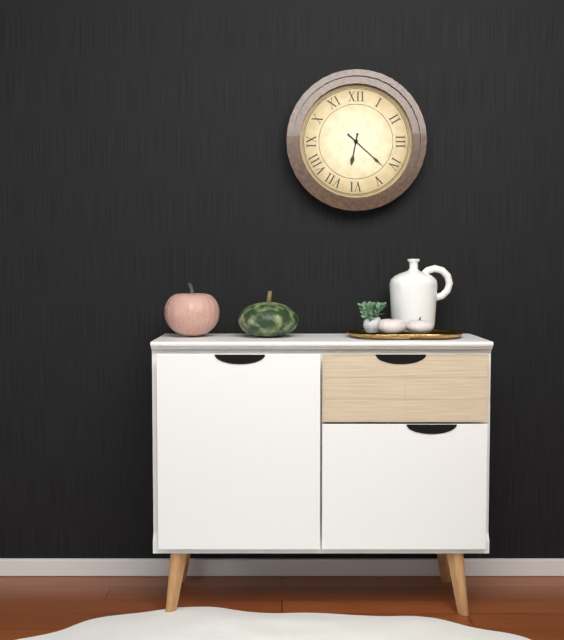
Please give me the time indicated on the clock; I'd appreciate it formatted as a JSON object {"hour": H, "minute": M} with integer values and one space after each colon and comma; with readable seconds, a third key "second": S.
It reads {"hour": 6, "minute": 22}
